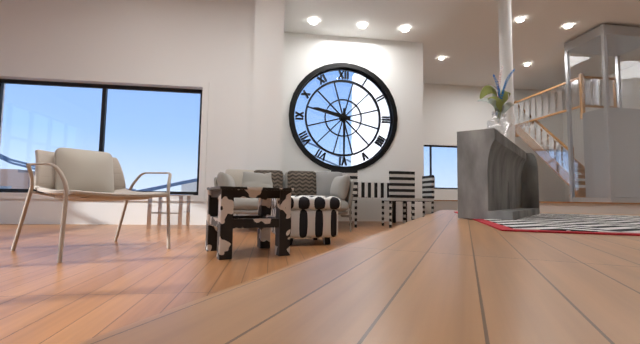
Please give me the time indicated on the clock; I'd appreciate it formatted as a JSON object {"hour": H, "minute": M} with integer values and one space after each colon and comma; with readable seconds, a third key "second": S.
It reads {"hour": 9, "minute": 30}
